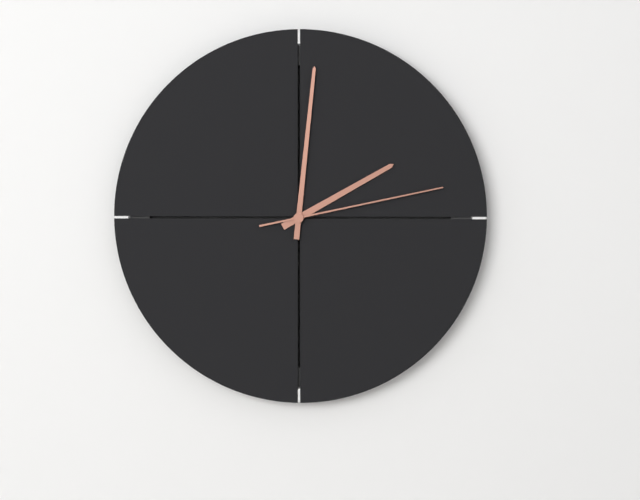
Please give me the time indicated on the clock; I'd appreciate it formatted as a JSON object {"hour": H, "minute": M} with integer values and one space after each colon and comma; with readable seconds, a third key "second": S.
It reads {"hour": 2, "minute": 1, "second": 13}
